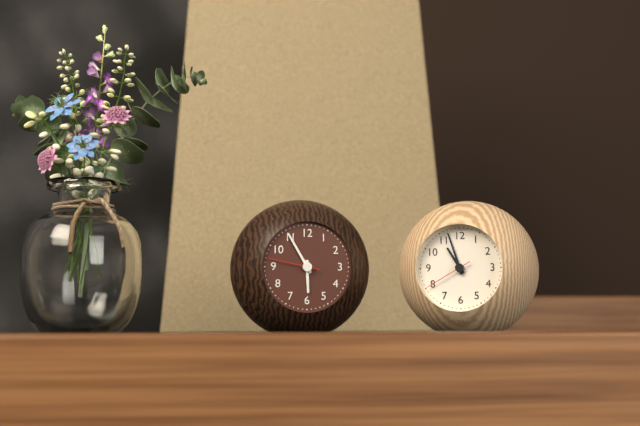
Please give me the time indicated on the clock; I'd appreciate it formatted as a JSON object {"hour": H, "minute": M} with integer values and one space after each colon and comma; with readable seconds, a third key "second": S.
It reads {"hour": 5, "minute": 55, "second": 47}
